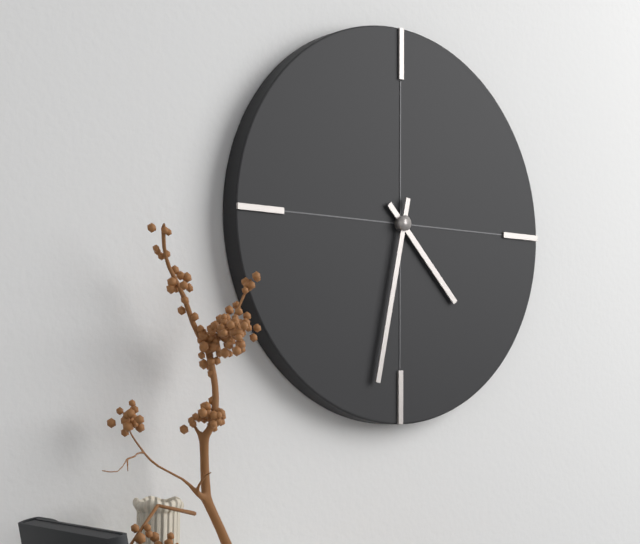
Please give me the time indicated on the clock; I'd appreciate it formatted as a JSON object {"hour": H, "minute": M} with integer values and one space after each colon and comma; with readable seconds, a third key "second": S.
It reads {"hour": 4, "minute": 32}
